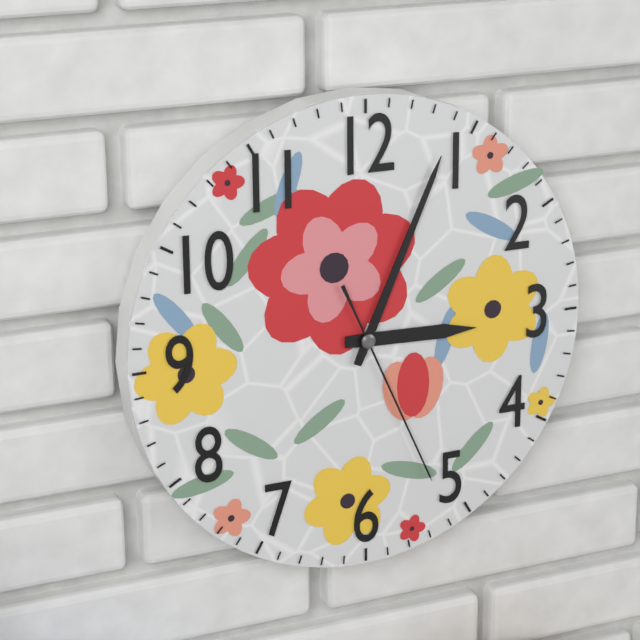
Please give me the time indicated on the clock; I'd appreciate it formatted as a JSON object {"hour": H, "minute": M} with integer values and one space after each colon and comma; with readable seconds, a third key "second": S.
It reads {"hour": 3, "minute": 4, "second": 26}
